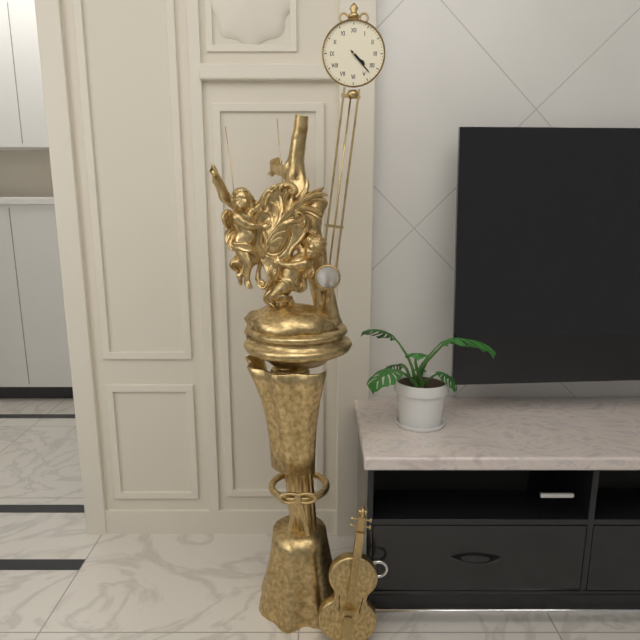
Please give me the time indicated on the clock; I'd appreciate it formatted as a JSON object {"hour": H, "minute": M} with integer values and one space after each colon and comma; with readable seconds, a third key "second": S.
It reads {"hour": 4, "minute": 23}
